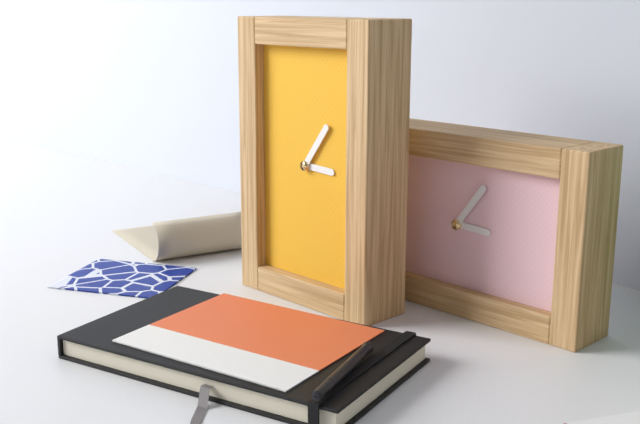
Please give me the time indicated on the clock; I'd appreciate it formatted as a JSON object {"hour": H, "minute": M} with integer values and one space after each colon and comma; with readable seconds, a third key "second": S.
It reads {"hour": 3, "minute": 6}
